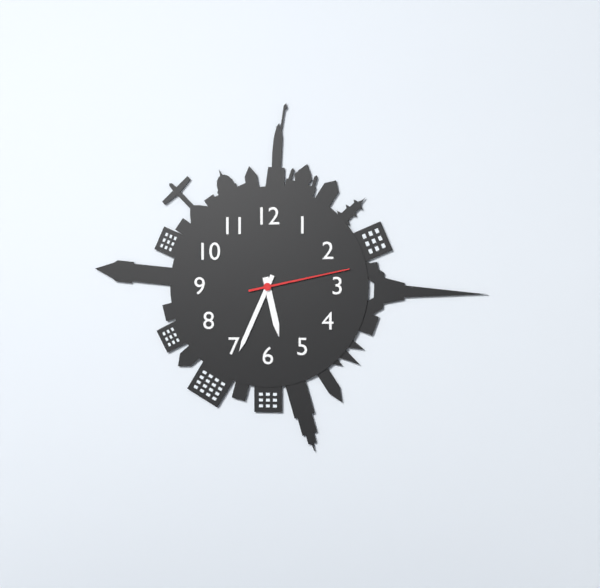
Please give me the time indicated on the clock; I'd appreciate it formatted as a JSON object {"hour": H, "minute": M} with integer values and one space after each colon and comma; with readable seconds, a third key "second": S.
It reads {"hour": 5, "minute": 34, "second": 13}
